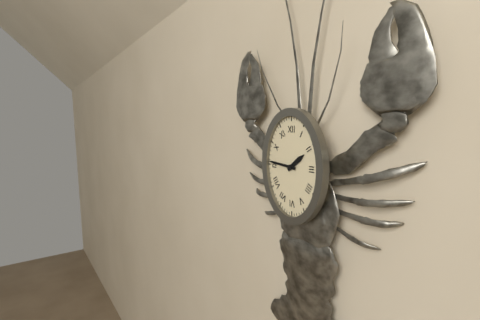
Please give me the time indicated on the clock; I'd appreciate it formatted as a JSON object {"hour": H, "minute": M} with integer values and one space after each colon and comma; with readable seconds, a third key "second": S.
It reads {"hour": 1, "minute": 46}
